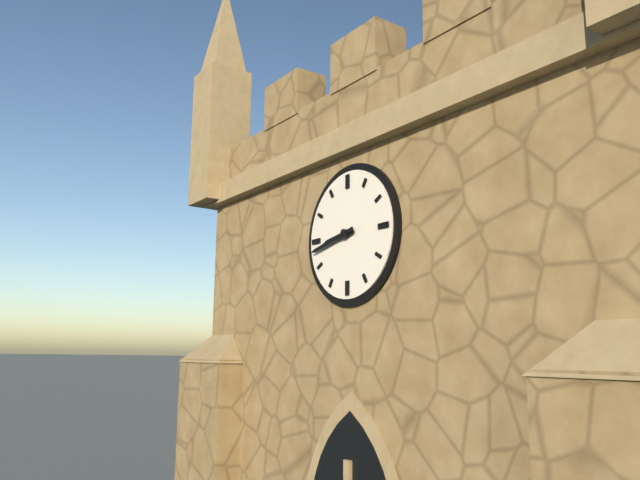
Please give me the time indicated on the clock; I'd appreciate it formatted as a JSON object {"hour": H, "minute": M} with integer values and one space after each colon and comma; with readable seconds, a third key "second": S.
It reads {"hour": 8, "minute": 43}
